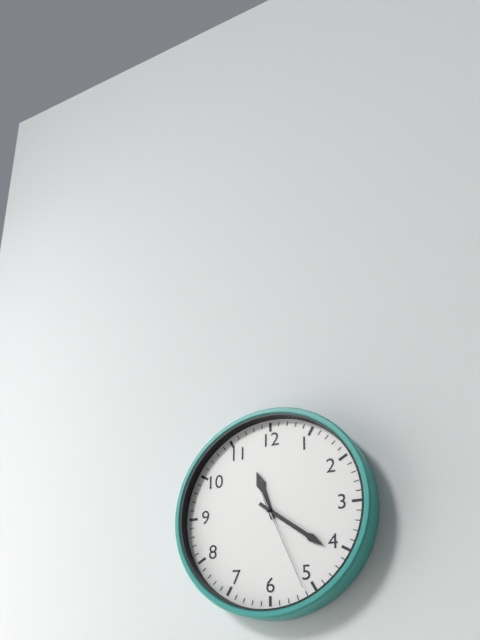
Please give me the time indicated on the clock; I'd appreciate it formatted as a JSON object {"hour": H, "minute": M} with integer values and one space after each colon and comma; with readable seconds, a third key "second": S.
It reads {"hour": 11, "minute": 21, "second": 26}
